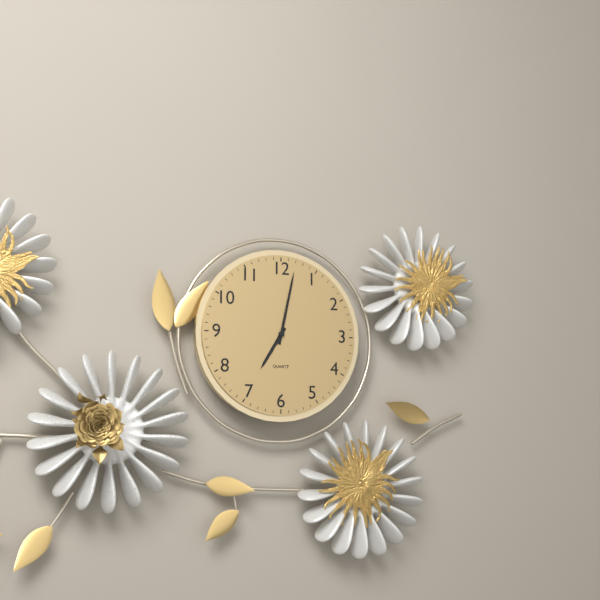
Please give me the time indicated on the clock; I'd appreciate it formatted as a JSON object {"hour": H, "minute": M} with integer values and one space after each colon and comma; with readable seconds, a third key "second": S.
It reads {"hour": 7, "minute": 2}
